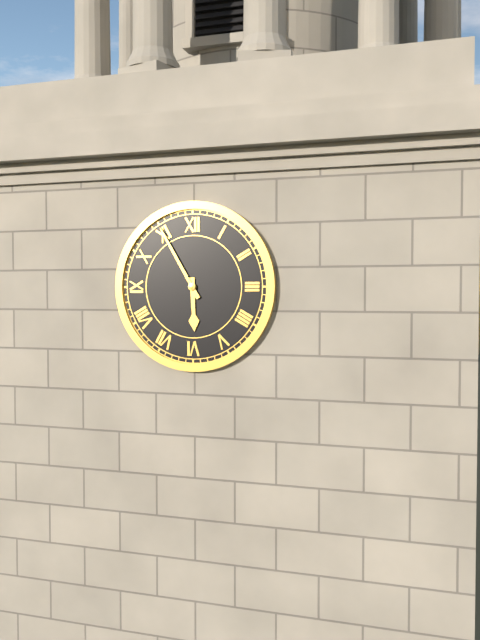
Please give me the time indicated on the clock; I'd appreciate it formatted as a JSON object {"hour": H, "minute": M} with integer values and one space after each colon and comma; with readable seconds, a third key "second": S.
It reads {"hour": 5, "minute": 55}
